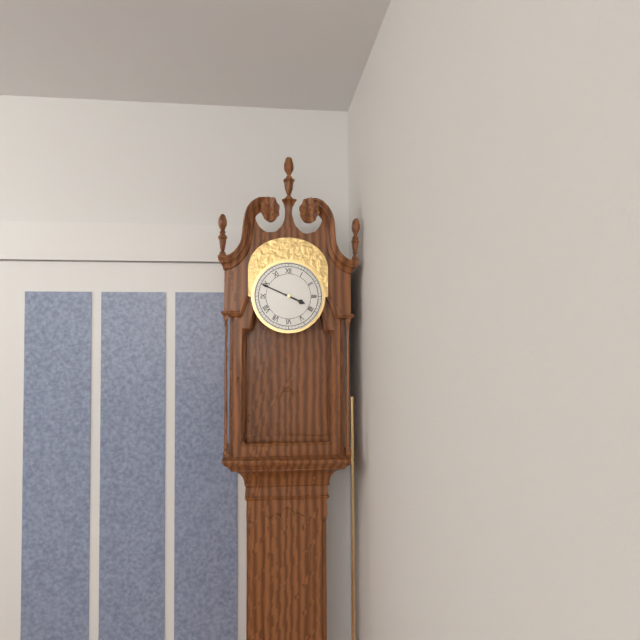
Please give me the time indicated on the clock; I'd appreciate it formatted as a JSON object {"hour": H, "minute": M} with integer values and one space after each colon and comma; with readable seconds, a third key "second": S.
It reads {"hour": 3, "minute": 49}
